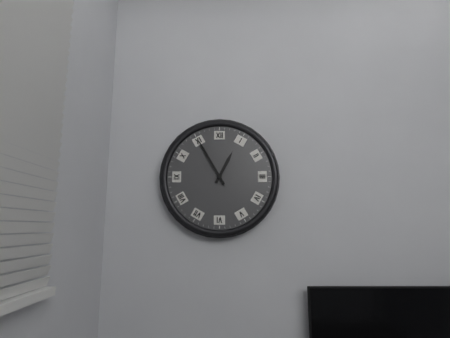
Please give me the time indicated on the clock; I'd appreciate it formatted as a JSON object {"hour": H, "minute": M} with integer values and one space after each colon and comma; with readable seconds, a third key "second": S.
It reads {"hour": 12, "minute": 55}
